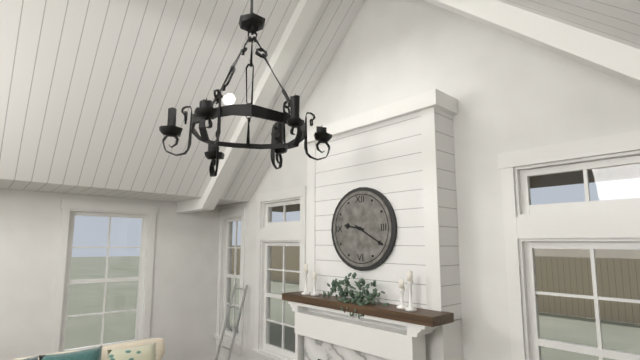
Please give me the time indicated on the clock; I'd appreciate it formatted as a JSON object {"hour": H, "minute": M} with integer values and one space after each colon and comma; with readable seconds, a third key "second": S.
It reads {"hour": 9, "minute": 20}
